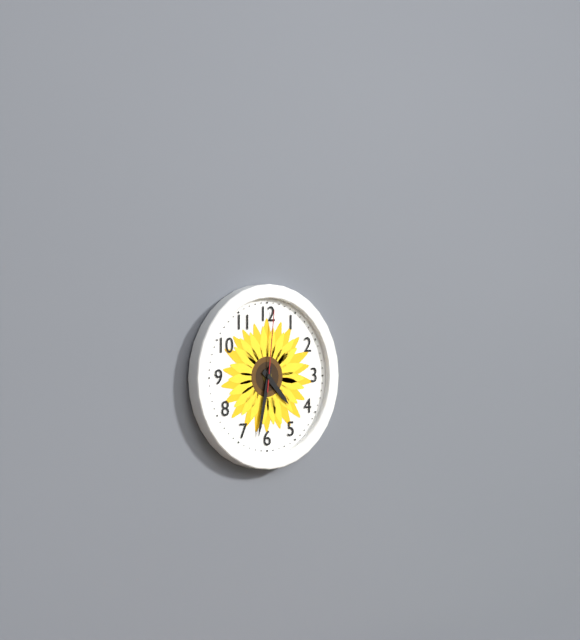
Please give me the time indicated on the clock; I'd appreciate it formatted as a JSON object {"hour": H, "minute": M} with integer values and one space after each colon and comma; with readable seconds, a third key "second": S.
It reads {"hour": 4, "minute": 32, "second": 1}
